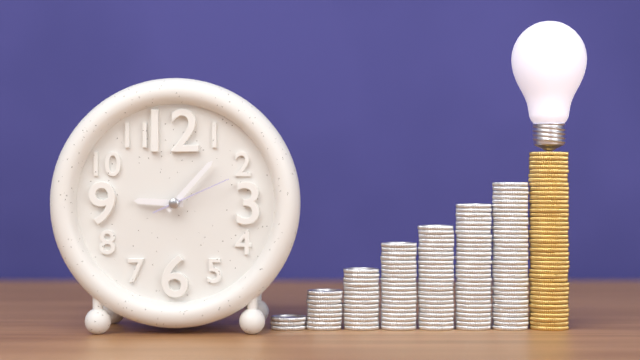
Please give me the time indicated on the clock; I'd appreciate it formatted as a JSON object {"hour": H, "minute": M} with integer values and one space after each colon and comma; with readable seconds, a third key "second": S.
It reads {"hour": 9, "minute": 7, "second": 11}
